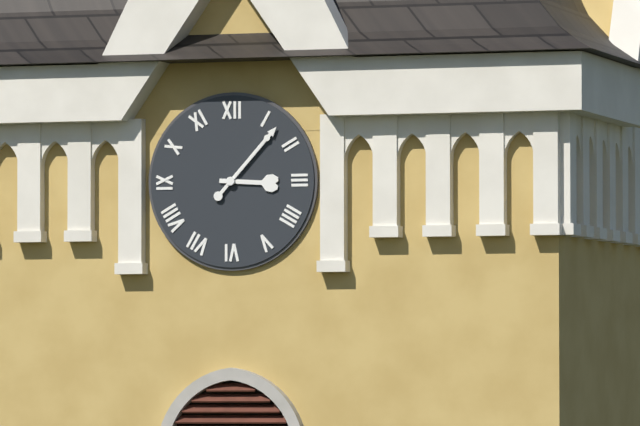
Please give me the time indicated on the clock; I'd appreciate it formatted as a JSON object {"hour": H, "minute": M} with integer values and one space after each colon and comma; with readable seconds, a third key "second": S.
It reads {"hour": 3, "minute": 7}
